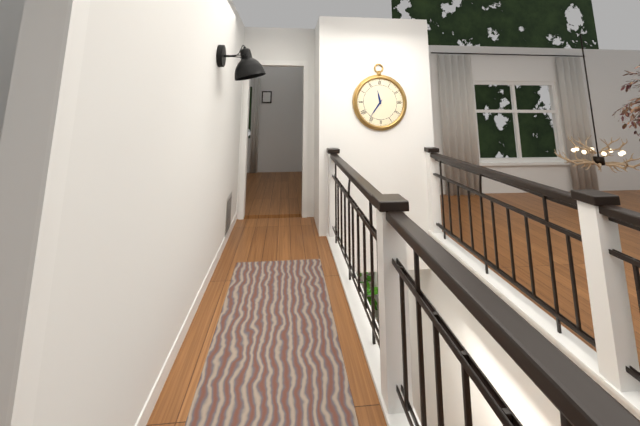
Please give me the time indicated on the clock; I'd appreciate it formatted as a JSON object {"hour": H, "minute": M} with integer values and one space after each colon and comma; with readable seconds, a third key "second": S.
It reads {"hour": 11, "minute": 36}
